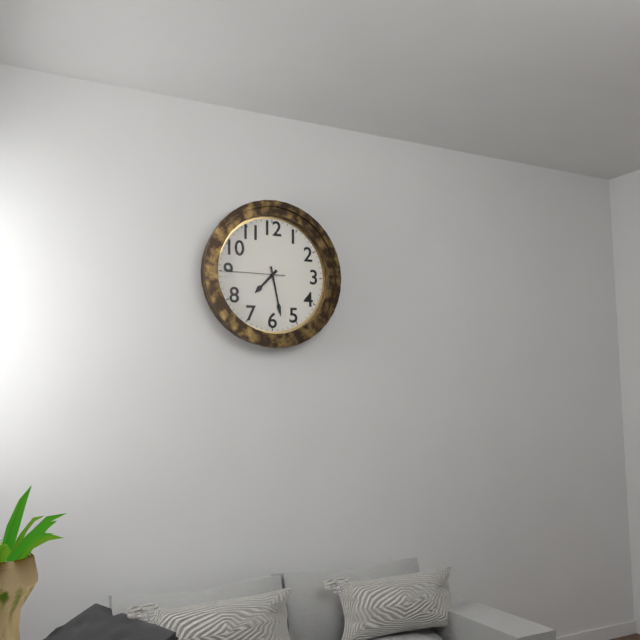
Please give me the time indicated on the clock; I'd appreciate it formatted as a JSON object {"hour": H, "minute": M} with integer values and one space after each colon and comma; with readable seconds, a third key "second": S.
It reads {"hour": 7, "minute": 28, "second": 45}
